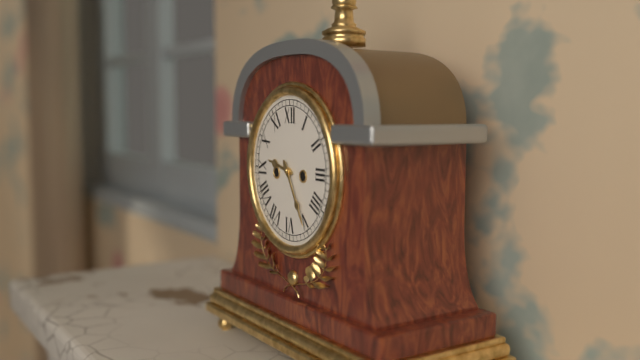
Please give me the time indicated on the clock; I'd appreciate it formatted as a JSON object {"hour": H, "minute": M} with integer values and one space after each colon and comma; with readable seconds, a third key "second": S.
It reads {"hour": 9, "minute": 25}
